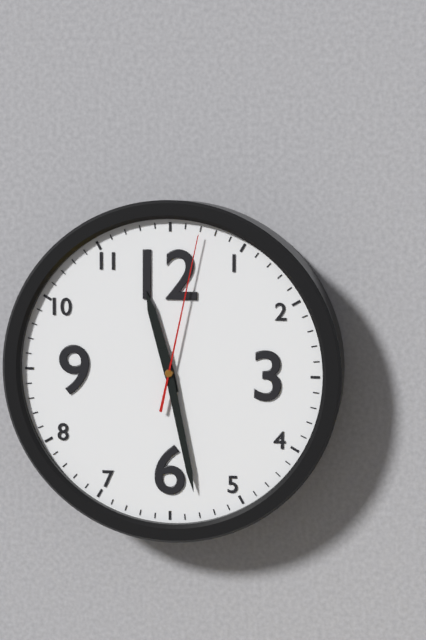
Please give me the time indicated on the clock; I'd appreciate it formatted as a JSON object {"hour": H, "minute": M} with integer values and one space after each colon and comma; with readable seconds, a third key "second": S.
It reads {"hour": 11, "minute": 28, "second": 2}
